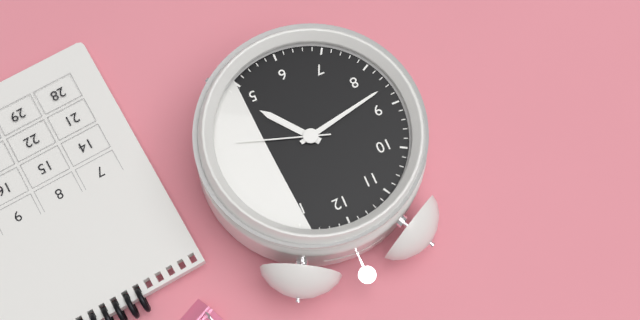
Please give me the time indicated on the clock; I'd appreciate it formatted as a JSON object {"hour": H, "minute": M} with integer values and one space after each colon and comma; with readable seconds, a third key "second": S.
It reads {"hour": 4, "minute": 43, "second": 18}
